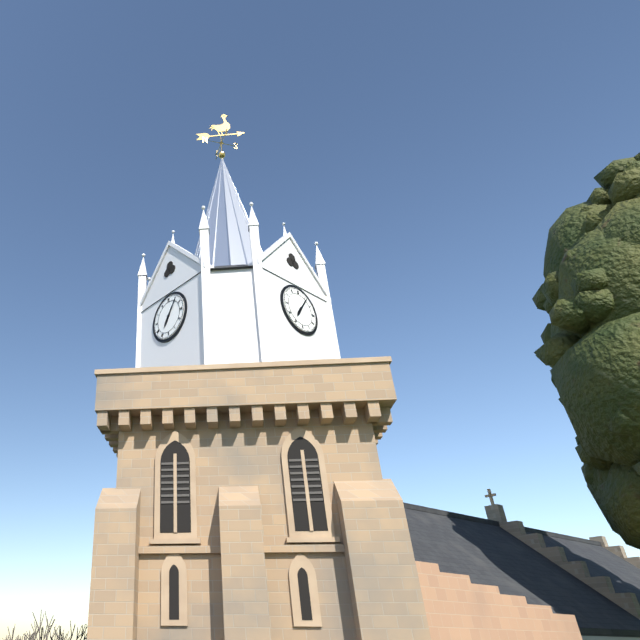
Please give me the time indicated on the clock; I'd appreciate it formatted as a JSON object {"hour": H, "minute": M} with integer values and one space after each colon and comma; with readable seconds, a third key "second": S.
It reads {"hour": 7, "minute": 6}
